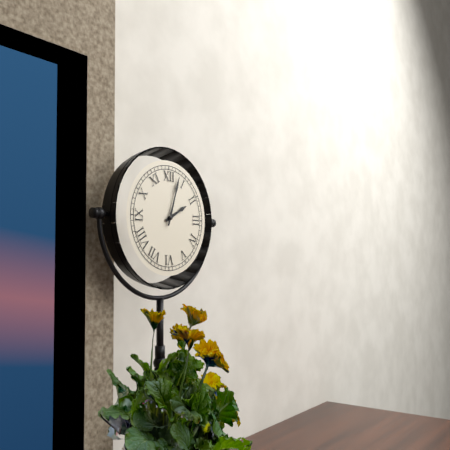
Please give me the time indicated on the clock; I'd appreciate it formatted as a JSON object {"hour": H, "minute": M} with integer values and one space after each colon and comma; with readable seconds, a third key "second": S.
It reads {"hour": 2, "minute": 3}
